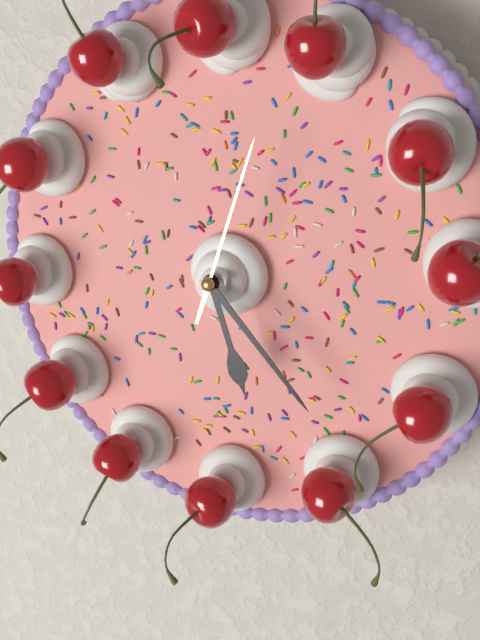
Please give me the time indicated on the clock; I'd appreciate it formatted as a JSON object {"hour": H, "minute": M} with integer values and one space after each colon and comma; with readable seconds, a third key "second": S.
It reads {"hour": 5, "minute": 23, "second": 3}
